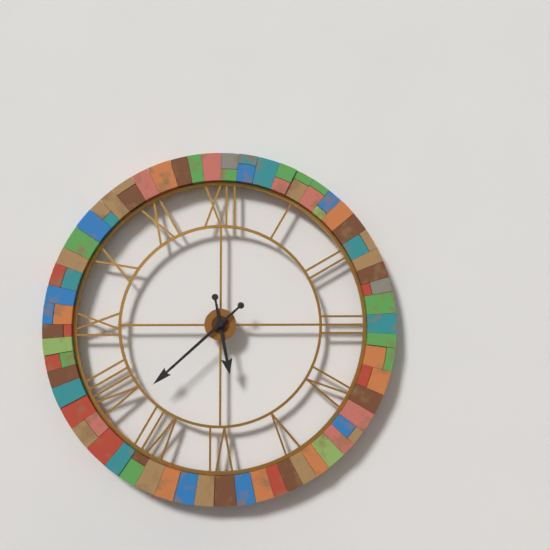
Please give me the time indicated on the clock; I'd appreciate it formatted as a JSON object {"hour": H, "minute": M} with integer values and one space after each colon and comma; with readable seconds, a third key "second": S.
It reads {"hour": 5, "minute": 38}
